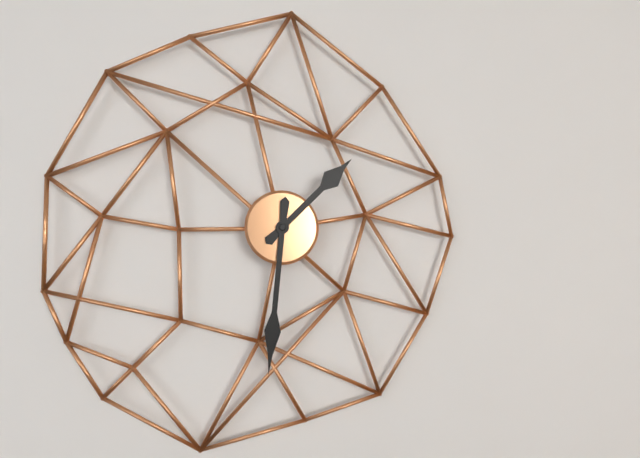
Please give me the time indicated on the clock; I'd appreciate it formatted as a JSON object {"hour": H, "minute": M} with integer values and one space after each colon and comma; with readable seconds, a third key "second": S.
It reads {"hour": 1, "minute": 31}
